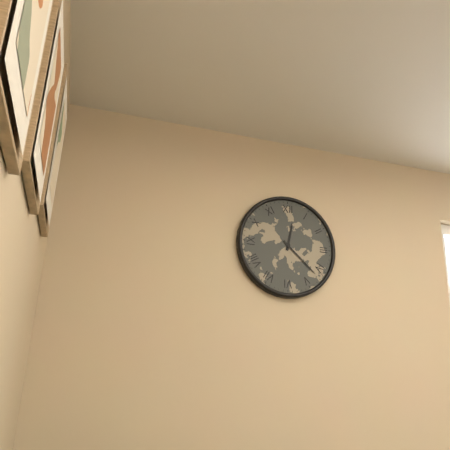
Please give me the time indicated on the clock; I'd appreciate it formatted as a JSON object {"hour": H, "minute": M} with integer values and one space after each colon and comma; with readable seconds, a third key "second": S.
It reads {"hour": 12, "minute": 22}
